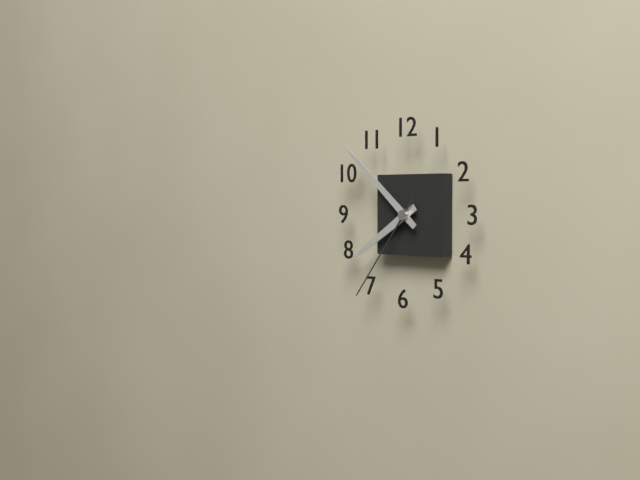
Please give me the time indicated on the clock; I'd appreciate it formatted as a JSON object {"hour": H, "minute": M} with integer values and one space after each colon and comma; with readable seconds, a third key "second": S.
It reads {"hour": 7, "minute": 52, "second": 36}
